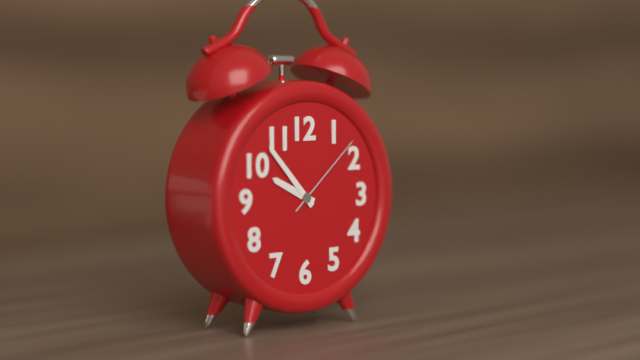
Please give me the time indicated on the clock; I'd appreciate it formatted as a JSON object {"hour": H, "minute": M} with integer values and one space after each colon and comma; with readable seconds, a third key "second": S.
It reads {"hour": 9, "minute": 53, "second": 8}
